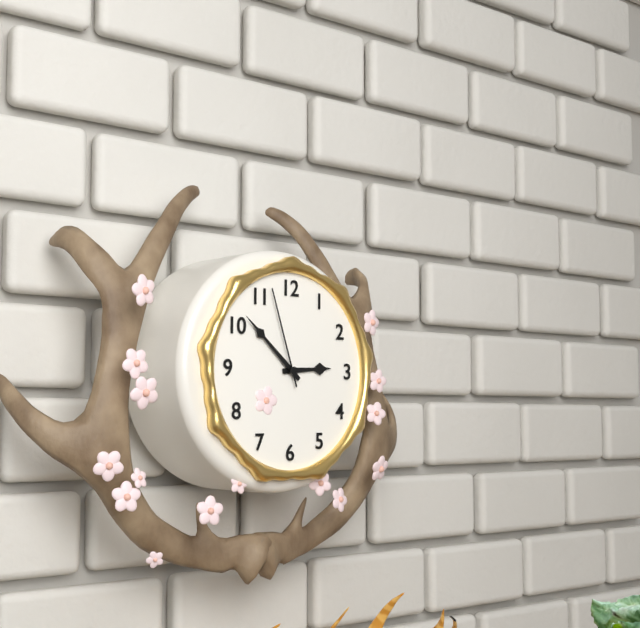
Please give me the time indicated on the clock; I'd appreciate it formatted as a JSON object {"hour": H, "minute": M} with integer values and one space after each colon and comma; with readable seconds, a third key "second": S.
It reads {"hour": 2, "minute": 52, "second": 57}
